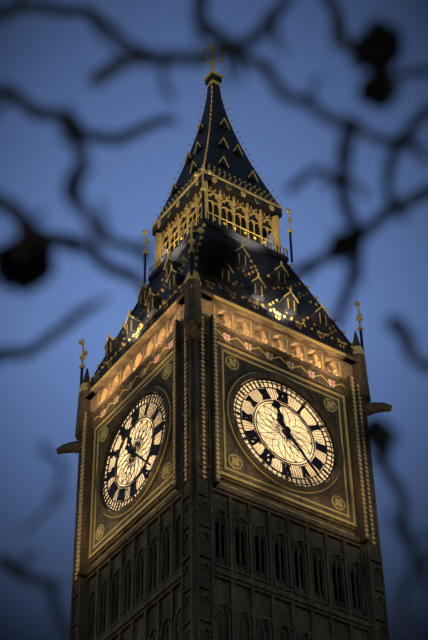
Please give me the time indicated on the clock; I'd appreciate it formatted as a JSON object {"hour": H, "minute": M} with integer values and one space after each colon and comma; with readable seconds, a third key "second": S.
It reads {"hour": 11, "minute": 23}
